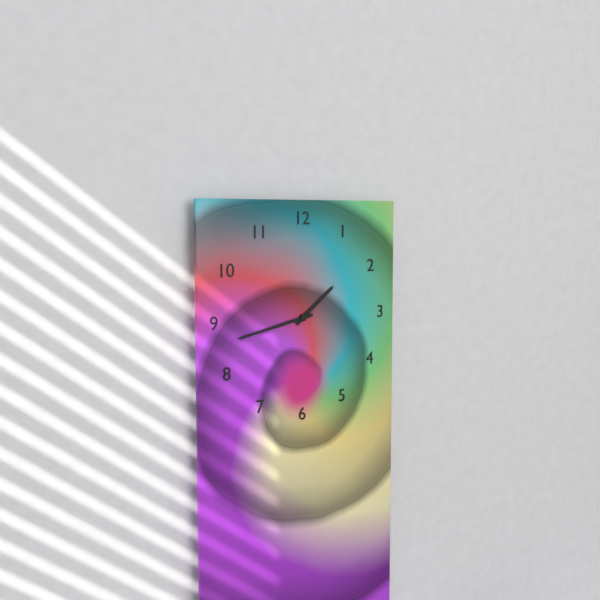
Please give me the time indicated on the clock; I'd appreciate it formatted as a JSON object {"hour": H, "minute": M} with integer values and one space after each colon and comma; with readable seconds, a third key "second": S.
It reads {"hour": 1, "minute": 43}
